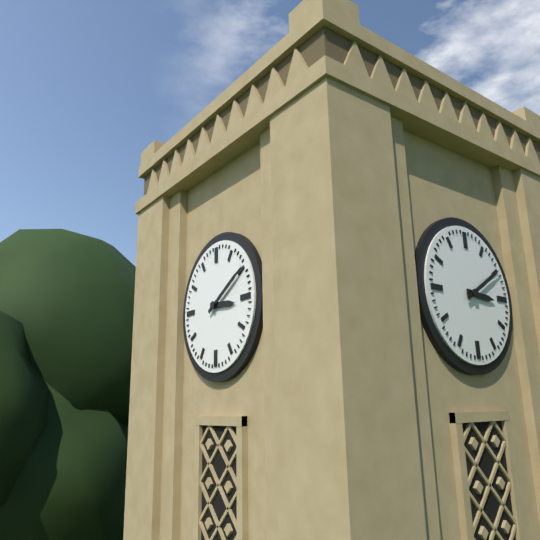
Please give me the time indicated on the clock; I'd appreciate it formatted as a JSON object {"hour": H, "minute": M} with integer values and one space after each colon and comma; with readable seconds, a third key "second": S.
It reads {"hour": 3, "minute": 10}
